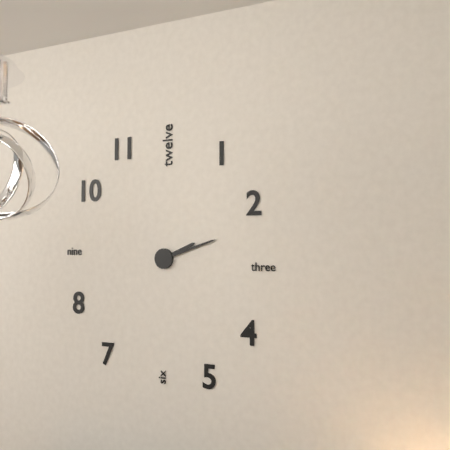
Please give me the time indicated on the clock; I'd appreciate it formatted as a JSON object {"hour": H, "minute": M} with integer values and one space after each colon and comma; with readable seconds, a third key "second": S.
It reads {"hour": 2, "minute": 12}
